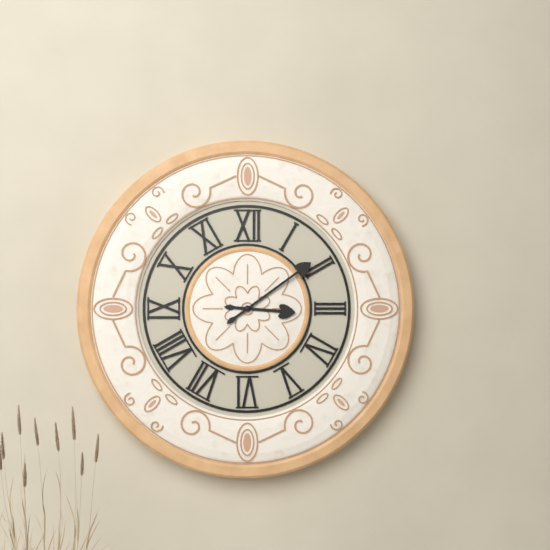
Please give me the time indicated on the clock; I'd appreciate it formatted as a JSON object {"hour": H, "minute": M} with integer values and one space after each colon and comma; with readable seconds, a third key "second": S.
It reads {"hour": 3, "minute": 9}
